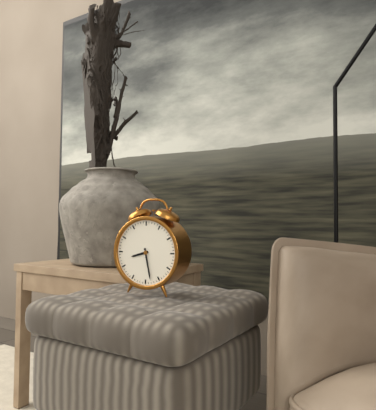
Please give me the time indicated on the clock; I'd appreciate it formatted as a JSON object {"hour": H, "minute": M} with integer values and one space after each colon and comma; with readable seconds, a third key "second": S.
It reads {"hour": 8, "minute": 28}
